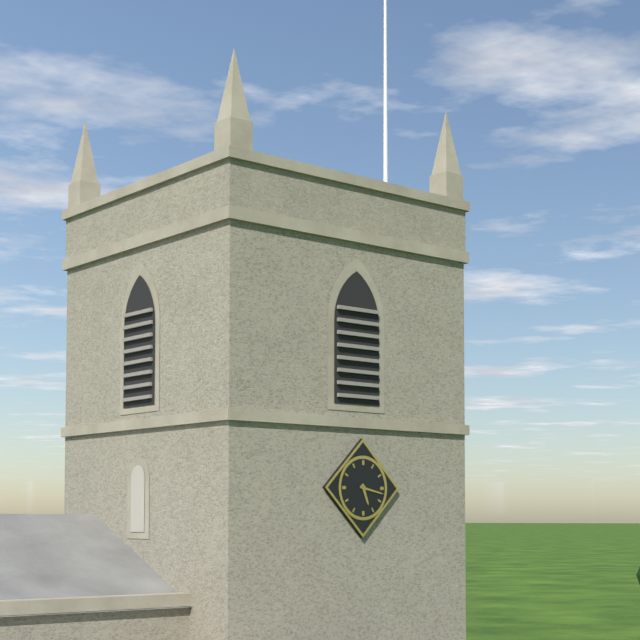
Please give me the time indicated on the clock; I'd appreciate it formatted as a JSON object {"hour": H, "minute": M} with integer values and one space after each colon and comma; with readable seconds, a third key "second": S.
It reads {"hour": 5, "minute": 17}
